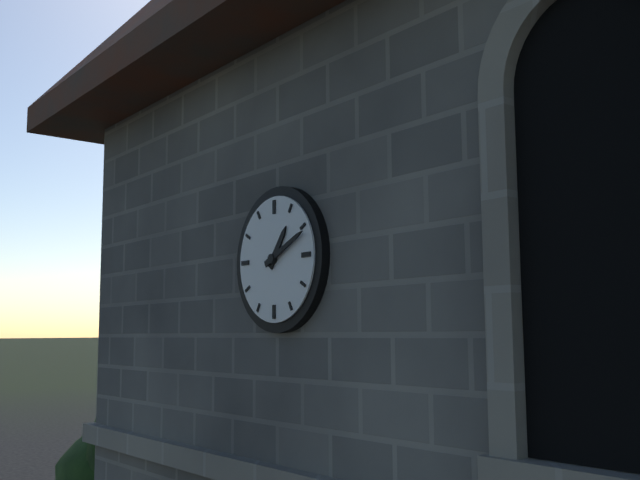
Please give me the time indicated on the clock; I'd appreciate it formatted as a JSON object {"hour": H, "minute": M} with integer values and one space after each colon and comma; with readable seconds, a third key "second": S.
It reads {"hour": 1, "minute": 11}
